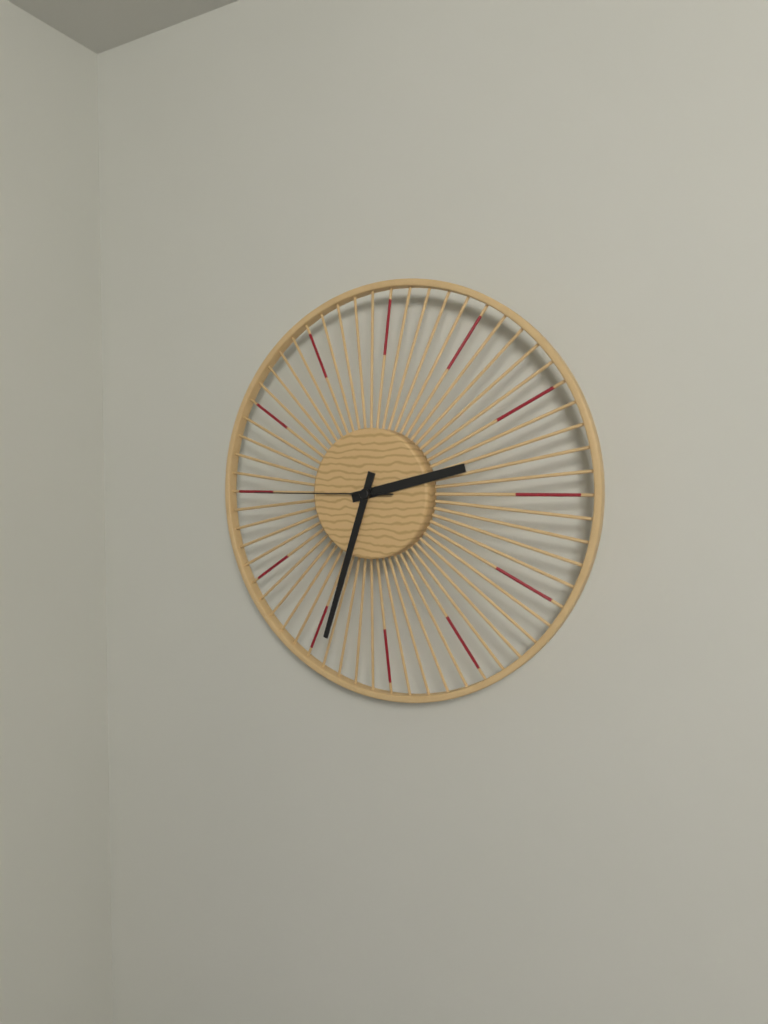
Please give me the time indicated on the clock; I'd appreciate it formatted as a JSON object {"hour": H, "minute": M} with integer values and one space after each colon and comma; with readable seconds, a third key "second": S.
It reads {"hour": 2, "minute": 33, "second": 45}
